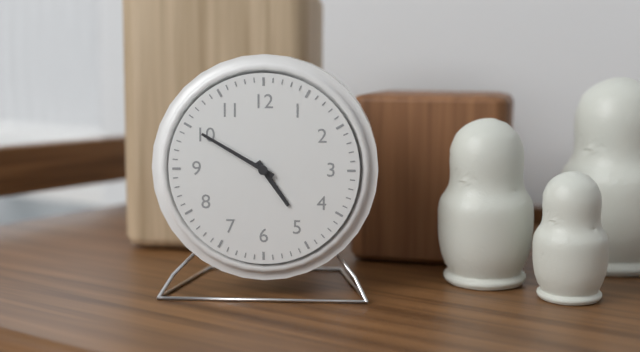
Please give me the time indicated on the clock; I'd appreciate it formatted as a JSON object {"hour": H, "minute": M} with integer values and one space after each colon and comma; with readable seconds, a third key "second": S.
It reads {"hour": 4, "minute": 50}
